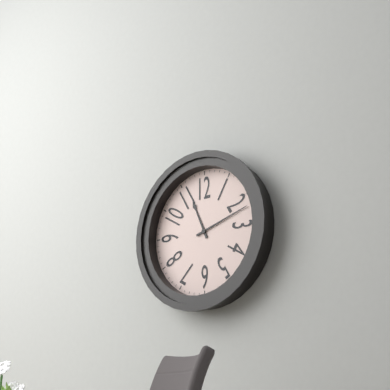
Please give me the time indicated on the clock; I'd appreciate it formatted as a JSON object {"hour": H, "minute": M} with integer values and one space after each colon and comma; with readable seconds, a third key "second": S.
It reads {"hour": 11, "minute": 12}
